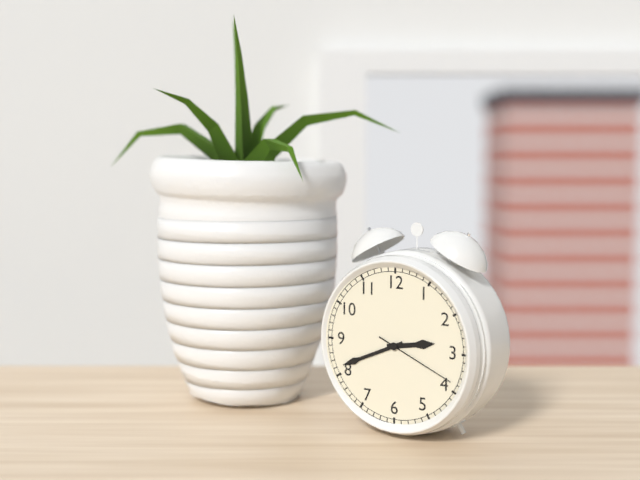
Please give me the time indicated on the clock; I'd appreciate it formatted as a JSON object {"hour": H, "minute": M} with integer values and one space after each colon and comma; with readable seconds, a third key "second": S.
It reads {"hour": 2, "minute": 41, "second": 19}
